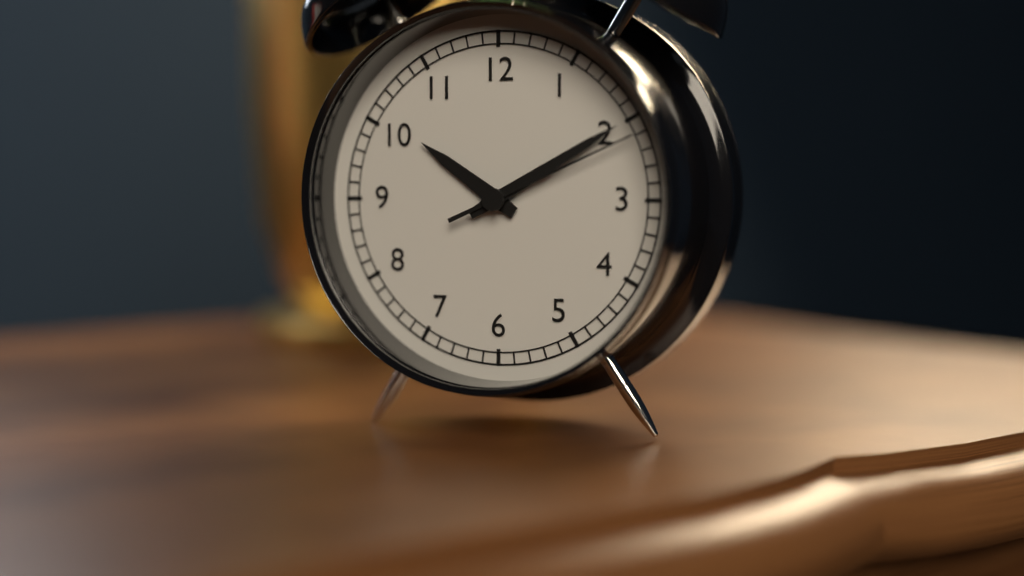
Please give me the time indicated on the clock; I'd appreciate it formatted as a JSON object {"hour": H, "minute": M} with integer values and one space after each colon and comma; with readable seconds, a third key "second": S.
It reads {"hour": 10, "minute": 10, "second": 11}
